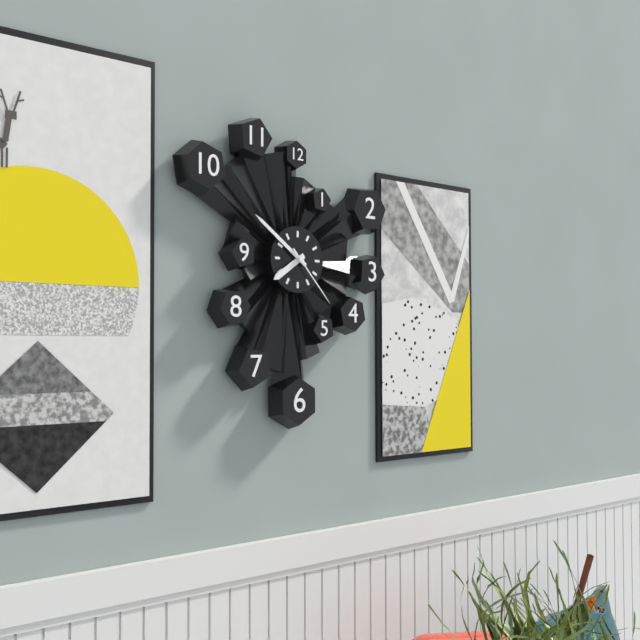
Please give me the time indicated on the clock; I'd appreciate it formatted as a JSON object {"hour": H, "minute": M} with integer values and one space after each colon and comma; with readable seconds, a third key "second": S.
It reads {"hour": 7, "minute": 51, "second": 23}
